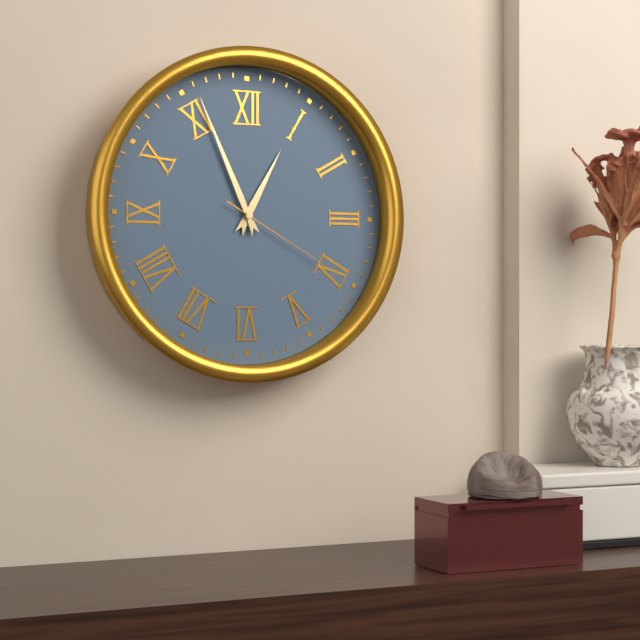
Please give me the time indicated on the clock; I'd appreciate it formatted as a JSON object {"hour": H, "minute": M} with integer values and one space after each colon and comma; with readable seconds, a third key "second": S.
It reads {"hour": 12, "minute": 56, "second": 20}
